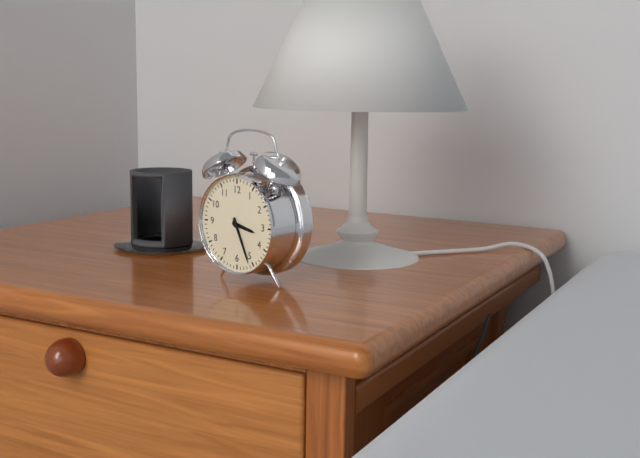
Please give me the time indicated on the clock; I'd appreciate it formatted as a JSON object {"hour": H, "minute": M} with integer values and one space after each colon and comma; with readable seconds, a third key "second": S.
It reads {"hour": 3, "minute": 26}
